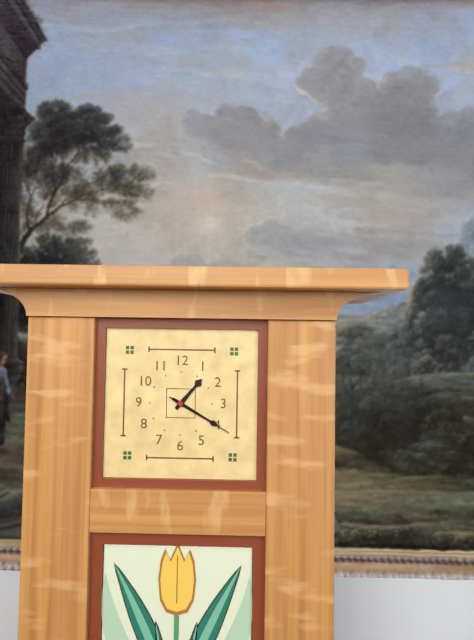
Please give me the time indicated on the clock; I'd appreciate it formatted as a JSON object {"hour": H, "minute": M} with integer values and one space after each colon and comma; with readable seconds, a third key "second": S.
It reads {"hour": 1, "minute": 20, "second": 20}
